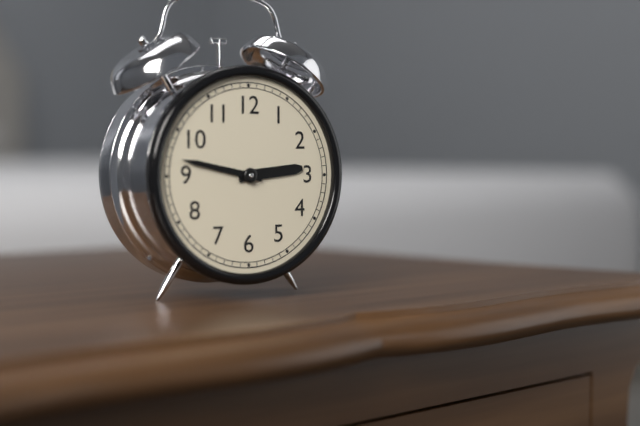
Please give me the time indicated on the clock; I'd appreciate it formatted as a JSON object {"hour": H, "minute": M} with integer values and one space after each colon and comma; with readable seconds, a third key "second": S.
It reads {"hour": 2, "minute": 47}
